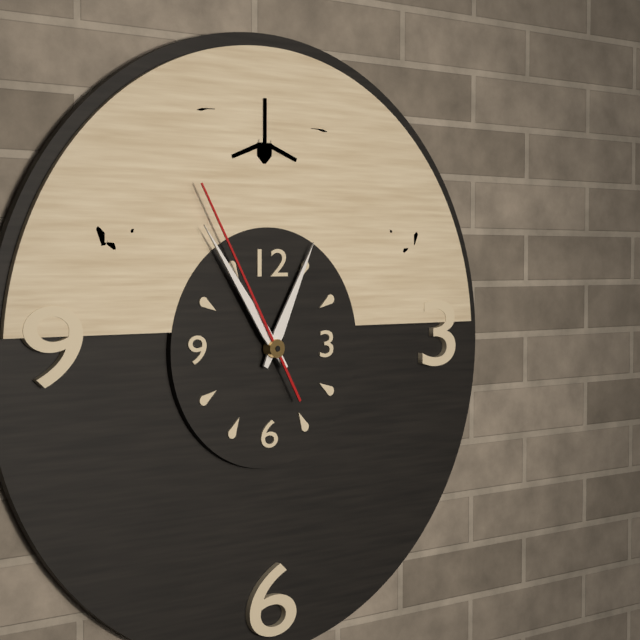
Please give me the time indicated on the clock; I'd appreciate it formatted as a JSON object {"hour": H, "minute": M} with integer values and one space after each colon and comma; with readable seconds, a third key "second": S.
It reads {"hour": 12, "minute": 54, "second": 55}
